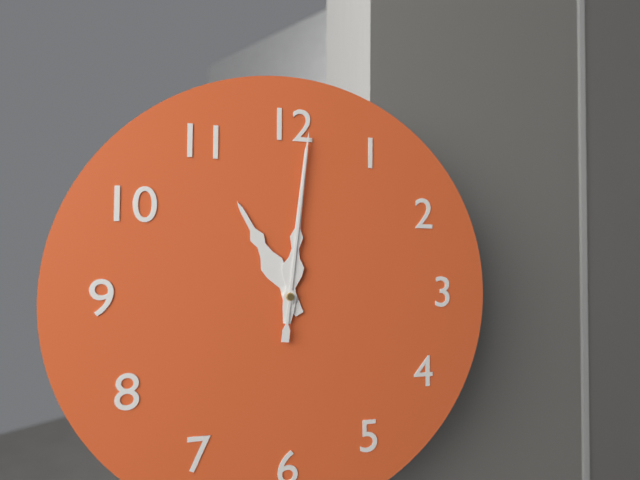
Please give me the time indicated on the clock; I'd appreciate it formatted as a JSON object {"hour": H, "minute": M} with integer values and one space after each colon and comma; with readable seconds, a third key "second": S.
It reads {"hour": 11, "minute": 1, "second": 1}
